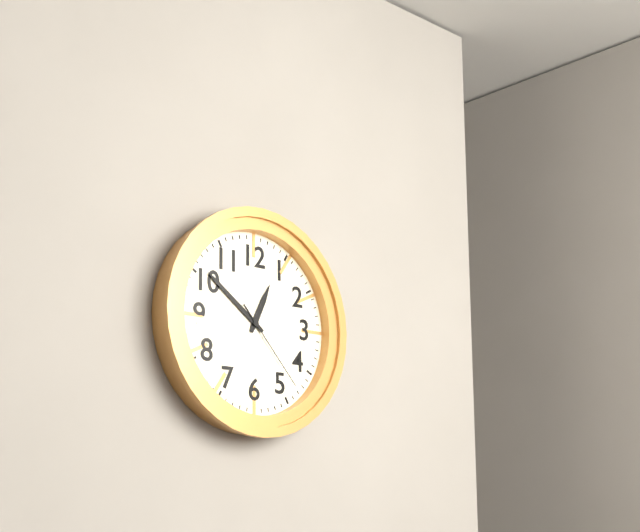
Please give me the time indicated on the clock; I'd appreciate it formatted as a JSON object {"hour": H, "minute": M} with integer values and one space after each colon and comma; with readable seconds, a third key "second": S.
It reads {"hour": 12, "minute": 51, "second": 23}
